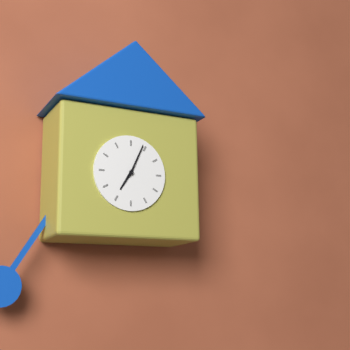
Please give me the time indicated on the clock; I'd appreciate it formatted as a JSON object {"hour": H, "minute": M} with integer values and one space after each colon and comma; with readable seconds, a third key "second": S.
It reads {"hour": 7, "minute": 4}
